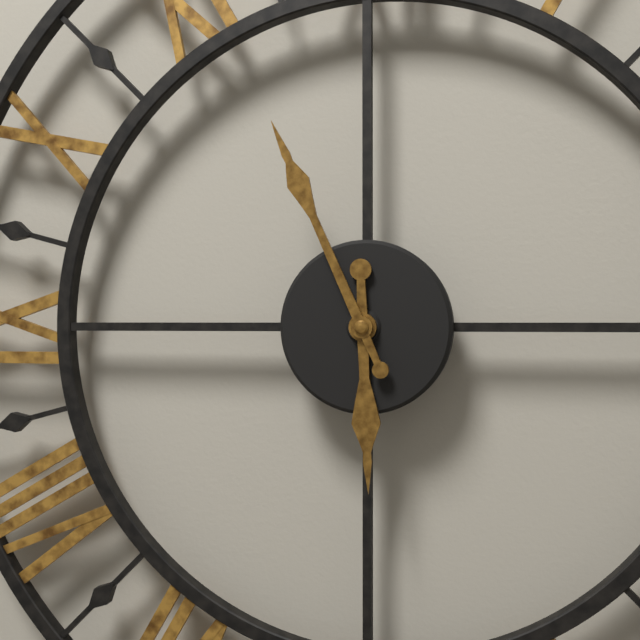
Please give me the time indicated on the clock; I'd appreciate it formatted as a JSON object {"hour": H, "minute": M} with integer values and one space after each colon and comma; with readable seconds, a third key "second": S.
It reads {"hour": 5, "minute": 56}
